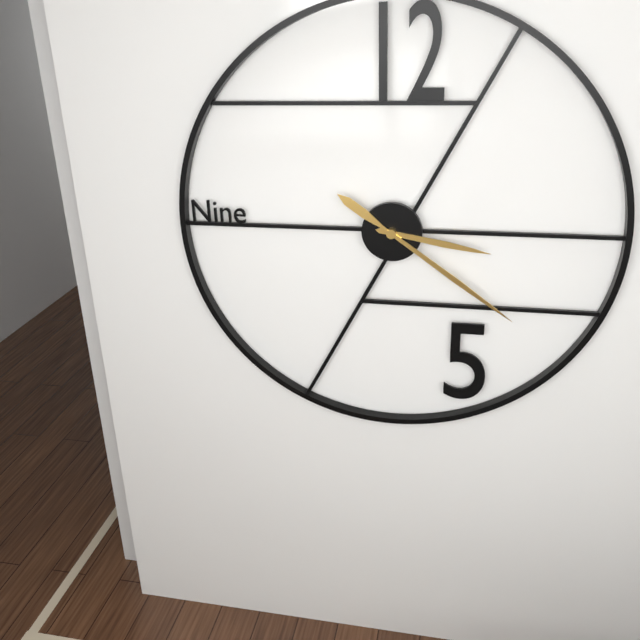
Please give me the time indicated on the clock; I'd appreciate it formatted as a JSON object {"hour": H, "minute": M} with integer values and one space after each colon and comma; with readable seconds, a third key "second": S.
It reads {"hour": 3, "minute": 21}
